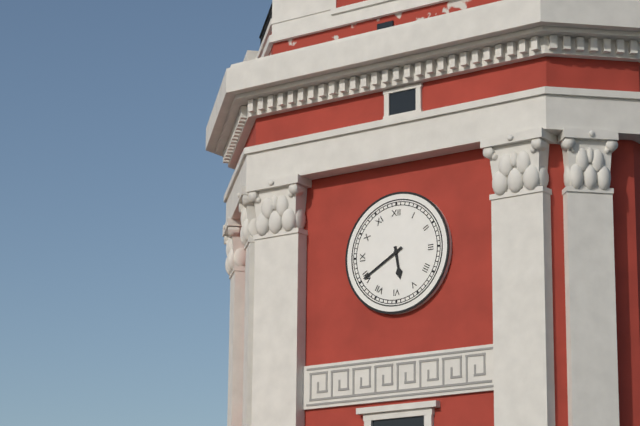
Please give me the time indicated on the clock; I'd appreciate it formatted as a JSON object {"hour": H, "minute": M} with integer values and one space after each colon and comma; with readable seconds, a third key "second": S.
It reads {"hour": 5, "minute": 40}
